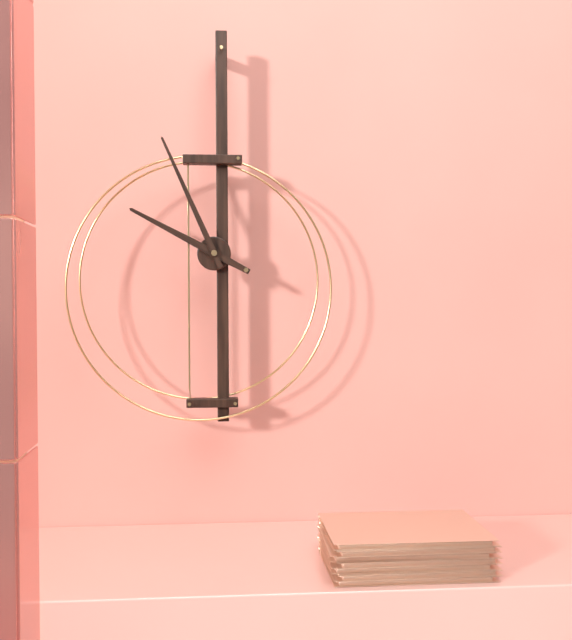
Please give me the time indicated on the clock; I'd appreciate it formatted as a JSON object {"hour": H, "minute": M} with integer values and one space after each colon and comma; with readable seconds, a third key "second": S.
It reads {"hour": 9, "minute": 56}
